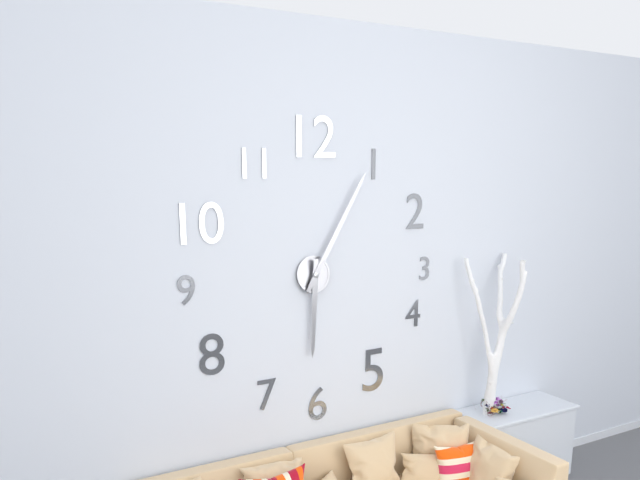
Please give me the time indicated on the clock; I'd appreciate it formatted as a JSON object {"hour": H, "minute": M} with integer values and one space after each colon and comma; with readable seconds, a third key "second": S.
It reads {"hour": 6, "minute": 5}
